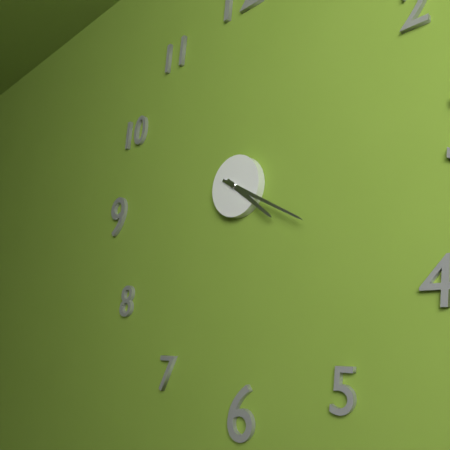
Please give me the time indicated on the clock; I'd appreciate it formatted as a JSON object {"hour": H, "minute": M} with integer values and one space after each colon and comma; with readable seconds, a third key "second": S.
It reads {"hour": 4, "minute": 20}
